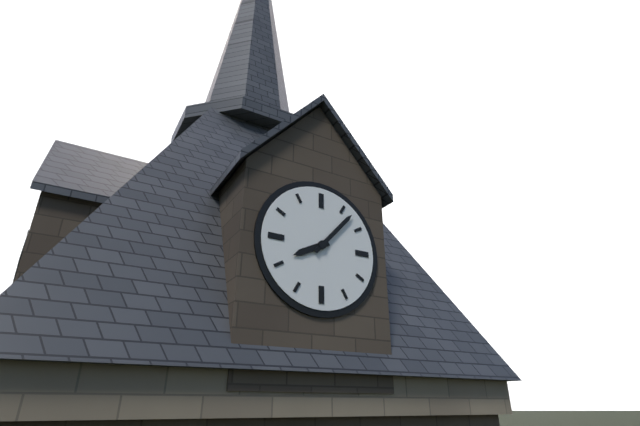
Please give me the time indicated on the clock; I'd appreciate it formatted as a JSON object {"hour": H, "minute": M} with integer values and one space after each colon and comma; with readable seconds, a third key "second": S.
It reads {"hour": 8, "minute": 7}
